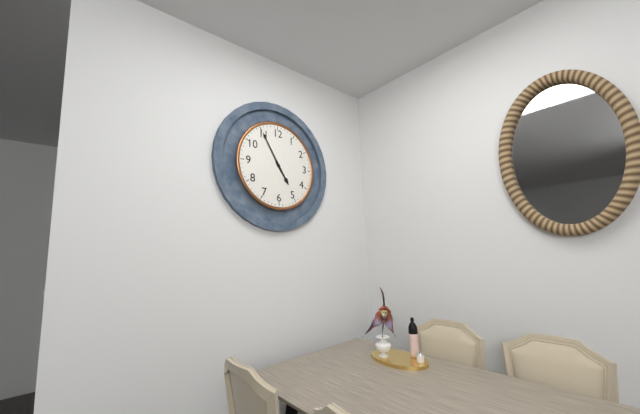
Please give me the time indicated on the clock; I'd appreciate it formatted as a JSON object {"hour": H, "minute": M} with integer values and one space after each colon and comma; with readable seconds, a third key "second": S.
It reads {"hour": 4, "minute": 55}
